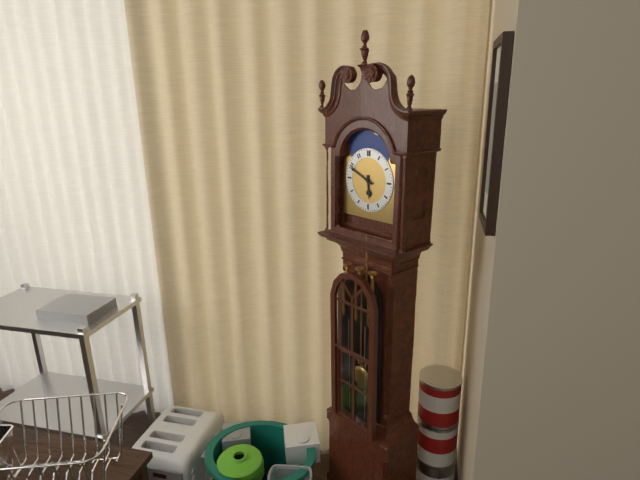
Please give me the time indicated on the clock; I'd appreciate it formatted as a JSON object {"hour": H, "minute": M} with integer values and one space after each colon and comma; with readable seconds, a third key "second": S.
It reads {"hour": 5, "minute": 49}
